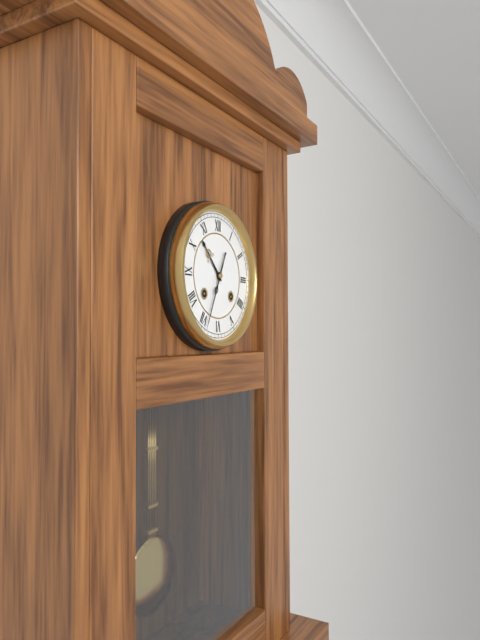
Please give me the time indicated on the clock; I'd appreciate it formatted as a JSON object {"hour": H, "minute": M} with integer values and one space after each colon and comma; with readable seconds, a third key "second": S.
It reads {"hour": 10, "minute": 34}
